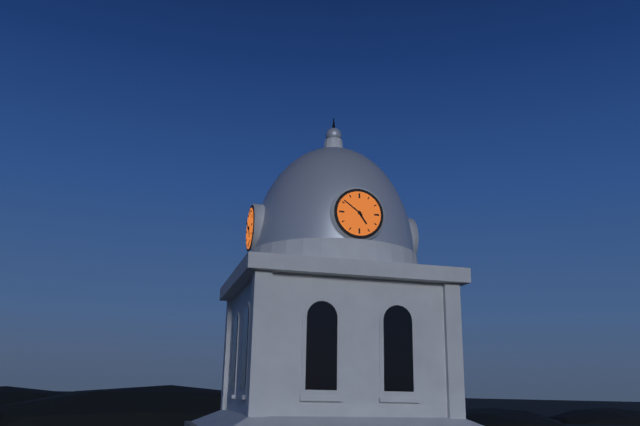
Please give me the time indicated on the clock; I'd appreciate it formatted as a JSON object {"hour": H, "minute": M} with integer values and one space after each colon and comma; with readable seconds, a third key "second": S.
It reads {"hour": 4, "minute": 51}
